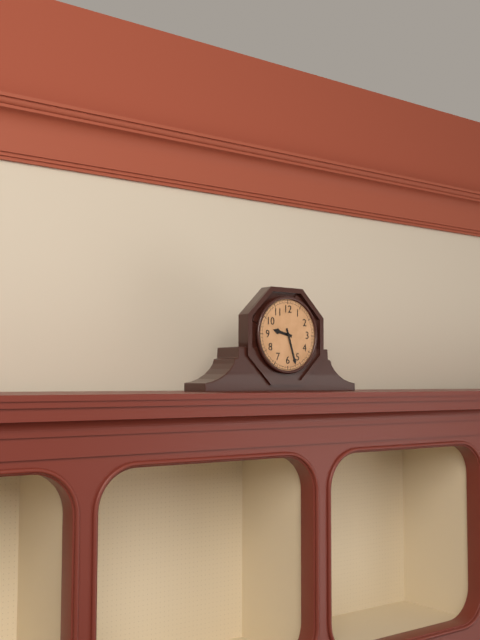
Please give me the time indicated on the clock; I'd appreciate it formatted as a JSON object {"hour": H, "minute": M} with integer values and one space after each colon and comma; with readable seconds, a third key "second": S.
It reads {"hour": 9, "minute": 27}
